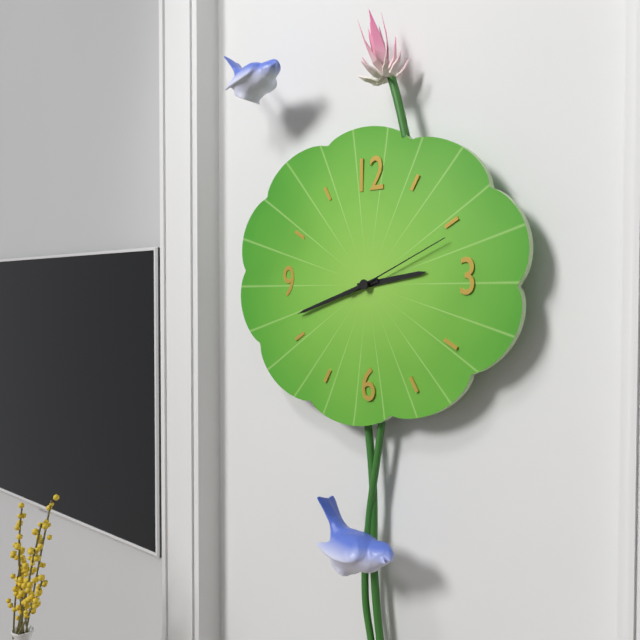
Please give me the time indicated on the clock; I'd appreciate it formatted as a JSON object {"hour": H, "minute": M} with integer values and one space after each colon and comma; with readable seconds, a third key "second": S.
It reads {"hour": 2, "minute": 42, "second": 11}
